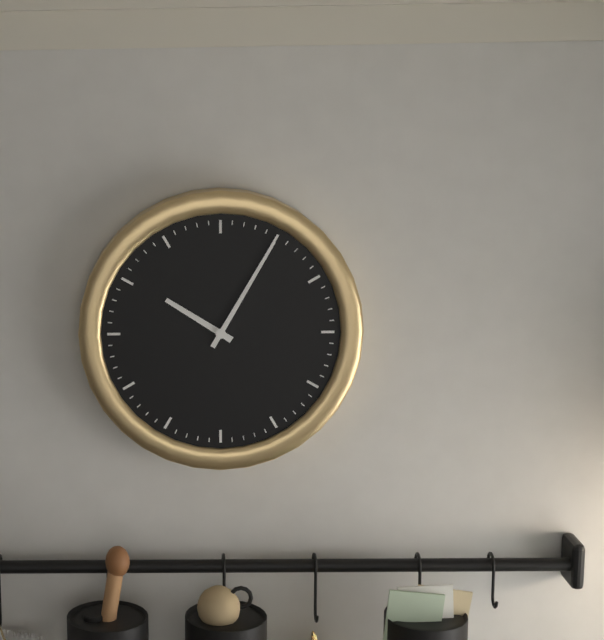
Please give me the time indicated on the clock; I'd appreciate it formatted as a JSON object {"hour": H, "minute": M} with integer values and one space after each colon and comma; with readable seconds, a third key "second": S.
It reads {"hour": 10, "minute": 5}
